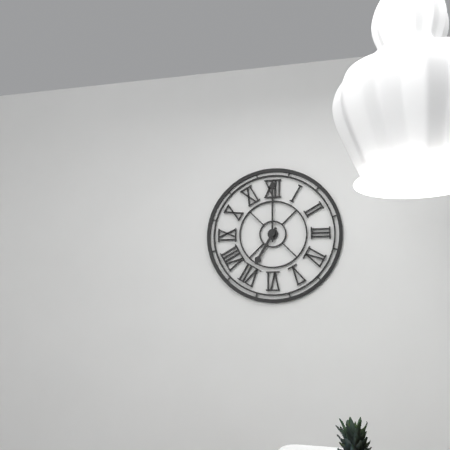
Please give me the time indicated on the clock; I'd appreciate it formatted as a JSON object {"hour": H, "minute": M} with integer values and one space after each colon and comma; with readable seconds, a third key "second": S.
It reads {"hour": 7, "minute": 0}
